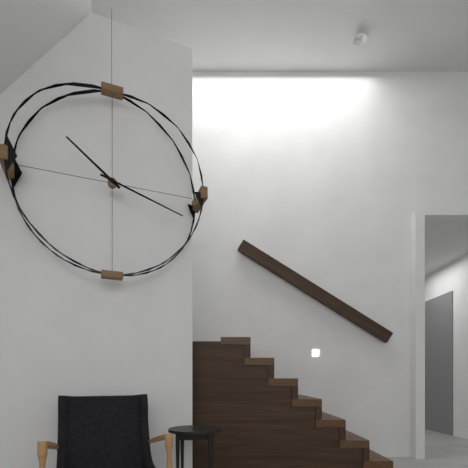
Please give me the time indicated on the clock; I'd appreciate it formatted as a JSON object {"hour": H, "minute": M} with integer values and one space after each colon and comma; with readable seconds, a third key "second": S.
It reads {"hour": 10, "minute": 18}
